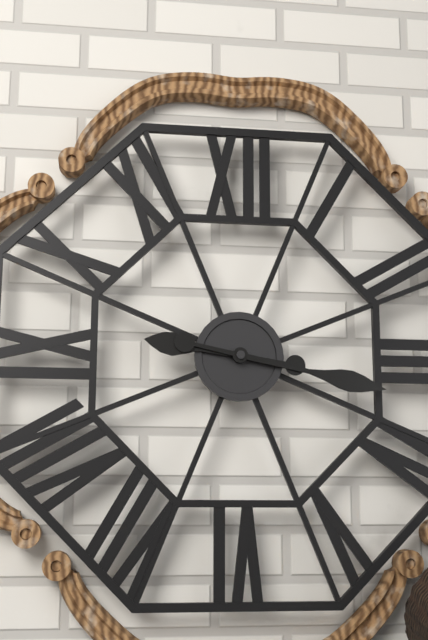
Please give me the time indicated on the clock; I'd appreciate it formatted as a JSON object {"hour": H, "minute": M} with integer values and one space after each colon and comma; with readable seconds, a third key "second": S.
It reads {"hour": 9, "minute": 17}
